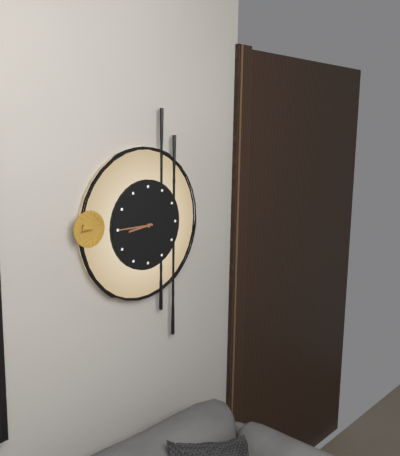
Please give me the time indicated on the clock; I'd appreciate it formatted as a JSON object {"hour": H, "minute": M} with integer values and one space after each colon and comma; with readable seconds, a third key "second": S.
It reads {"hour": 8, "minute": 45}
